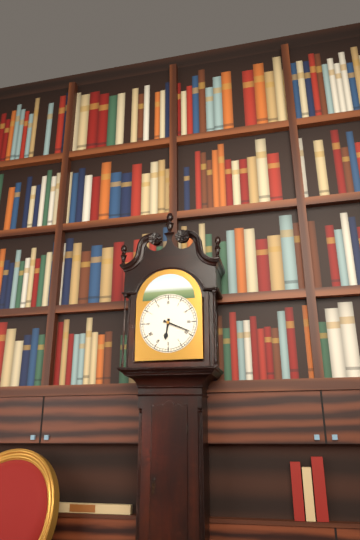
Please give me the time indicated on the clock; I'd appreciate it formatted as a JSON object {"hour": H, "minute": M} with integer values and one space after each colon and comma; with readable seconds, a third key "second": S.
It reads {"hour": 6, "minute": 19}
